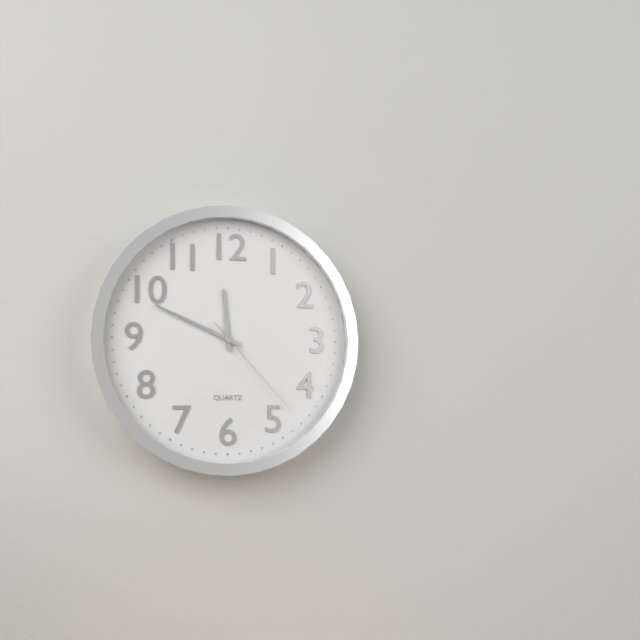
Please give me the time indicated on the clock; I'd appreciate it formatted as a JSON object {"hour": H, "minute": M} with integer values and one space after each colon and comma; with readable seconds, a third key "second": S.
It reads {"hour": 11, "minute": 49, "second": 23}
